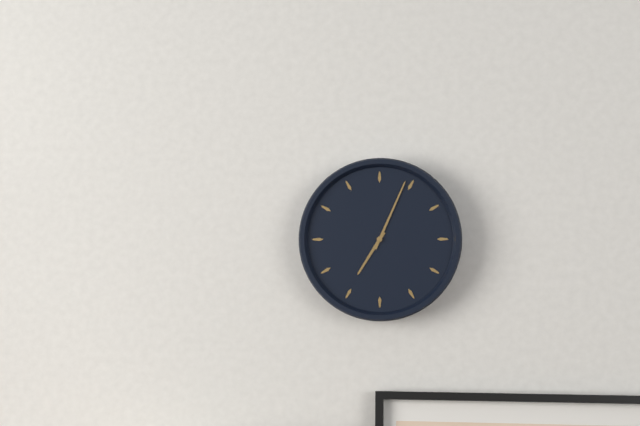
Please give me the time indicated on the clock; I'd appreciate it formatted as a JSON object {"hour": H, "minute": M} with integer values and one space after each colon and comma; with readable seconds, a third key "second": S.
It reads {"hour": 7, "minute": 4}
